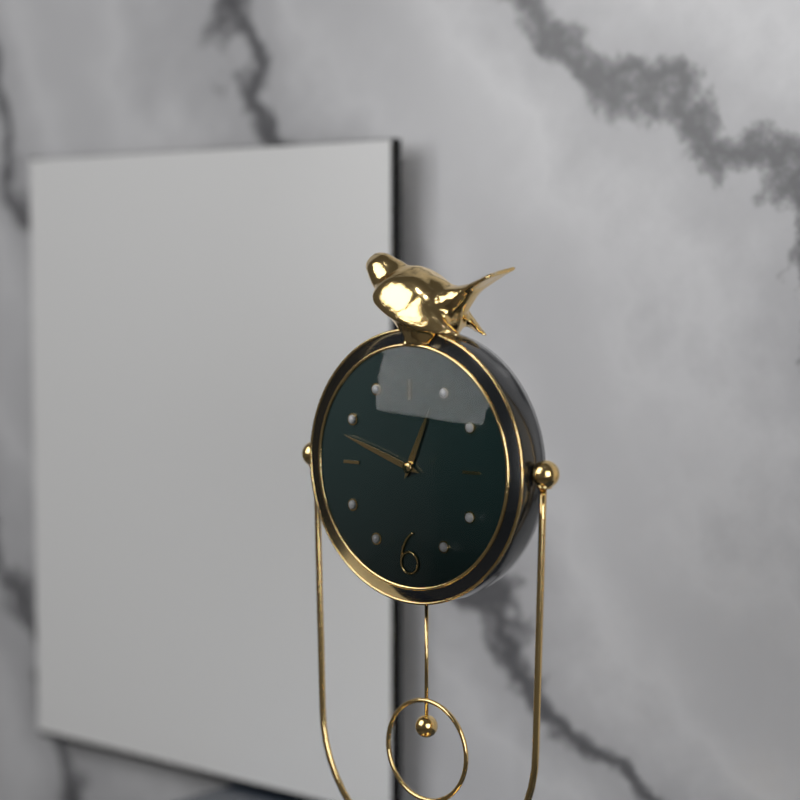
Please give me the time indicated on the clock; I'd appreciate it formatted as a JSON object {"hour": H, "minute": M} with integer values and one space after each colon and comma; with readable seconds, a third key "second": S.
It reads {"hour": 12, "minute": 48}
